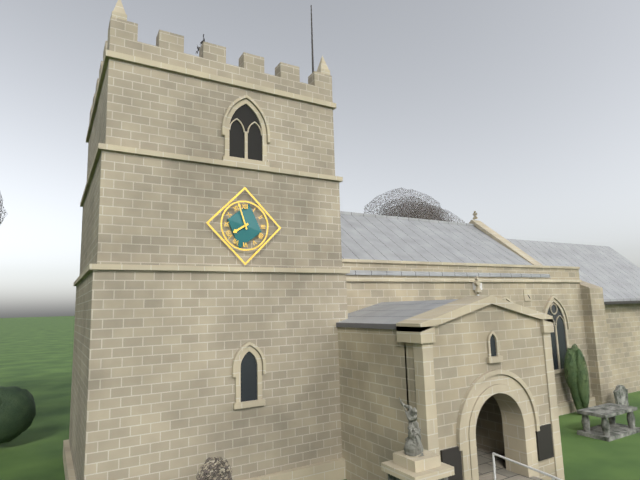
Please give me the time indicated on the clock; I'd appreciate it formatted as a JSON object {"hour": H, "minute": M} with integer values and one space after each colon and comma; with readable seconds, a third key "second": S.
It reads {"hour": 7, "minute": 57}
